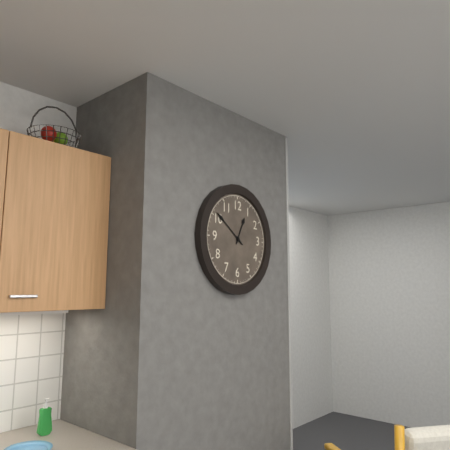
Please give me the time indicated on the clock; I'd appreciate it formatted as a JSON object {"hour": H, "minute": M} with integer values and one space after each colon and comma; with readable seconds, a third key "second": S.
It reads {"hour": 12, "minute": 51}
